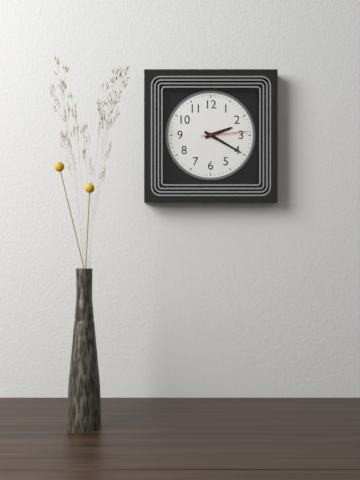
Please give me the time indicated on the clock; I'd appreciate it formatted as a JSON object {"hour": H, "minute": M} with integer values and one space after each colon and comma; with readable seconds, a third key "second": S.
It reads {"hour": 2, "minute": 20}
